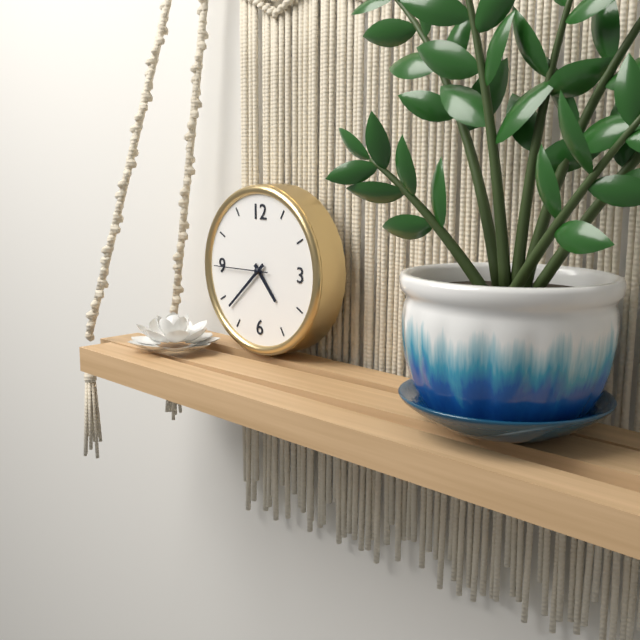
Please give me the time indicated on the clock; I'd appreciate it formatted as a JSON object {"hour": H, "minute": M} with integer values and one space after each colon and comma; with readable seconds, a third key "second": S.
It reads {"hour": 4, "minute": 38, "second": 45}
